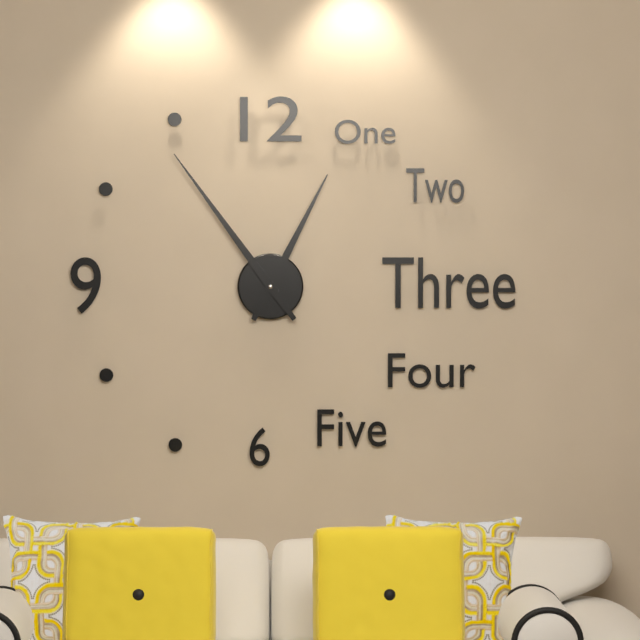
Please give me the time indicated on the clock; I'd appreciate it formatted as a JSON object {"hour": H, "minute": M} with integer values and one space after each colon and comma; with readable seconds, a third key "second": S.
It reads {"hour": 12, "minute": 54}
